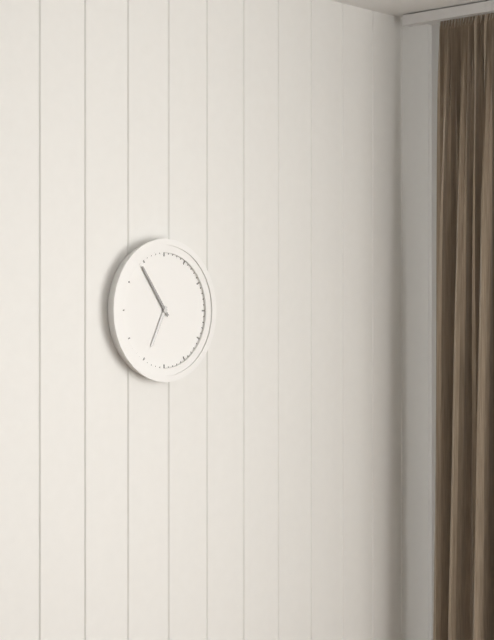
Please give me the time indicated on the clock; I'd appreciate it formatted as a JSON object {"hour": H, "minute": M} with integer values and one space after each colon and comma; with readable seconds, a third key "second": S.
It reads {"hour": 6, "minute": 54}
